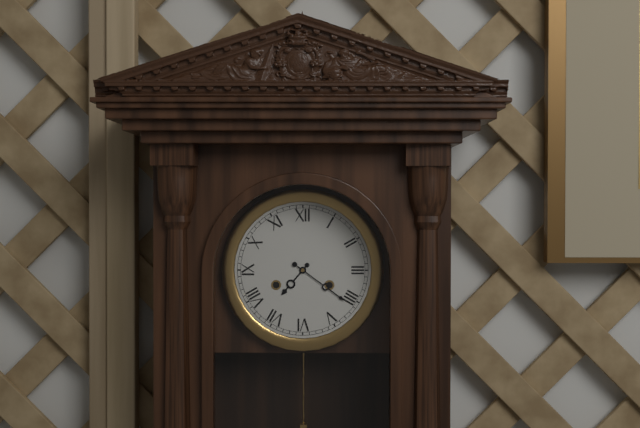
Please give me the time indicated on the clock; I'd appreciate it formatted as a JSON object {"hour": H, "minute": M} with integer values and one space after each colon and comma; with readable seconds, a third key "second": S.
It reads {"hour": 7, "minute": 21}
